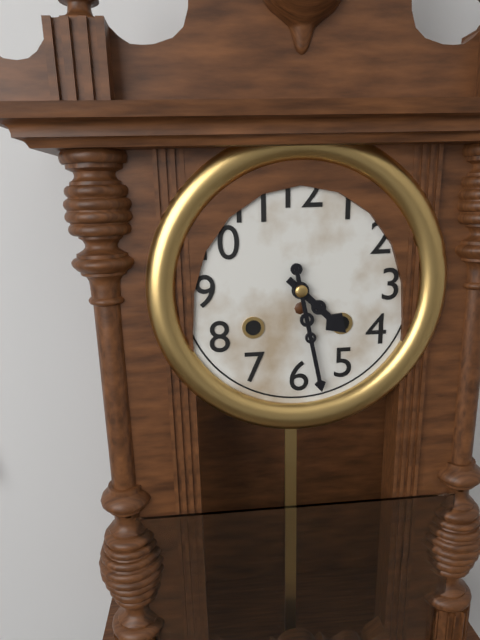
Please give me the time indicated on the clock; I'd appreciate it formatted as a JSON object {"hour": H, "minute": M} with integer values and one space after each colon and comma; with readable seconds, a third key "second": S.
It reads {"hour": 4, "minute": 28}
